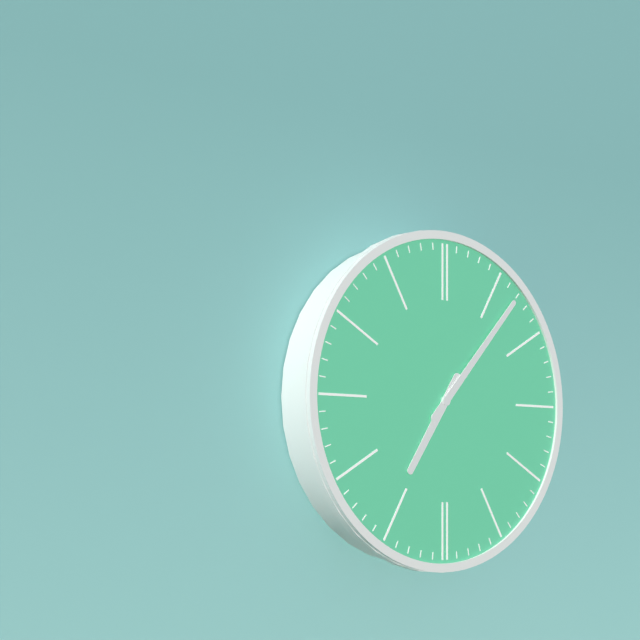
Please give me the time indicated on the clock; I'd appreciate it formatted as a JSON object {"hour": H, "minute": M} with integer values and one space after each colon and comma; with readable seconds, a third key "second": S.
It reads {"hour": 7, "minute": 7}
